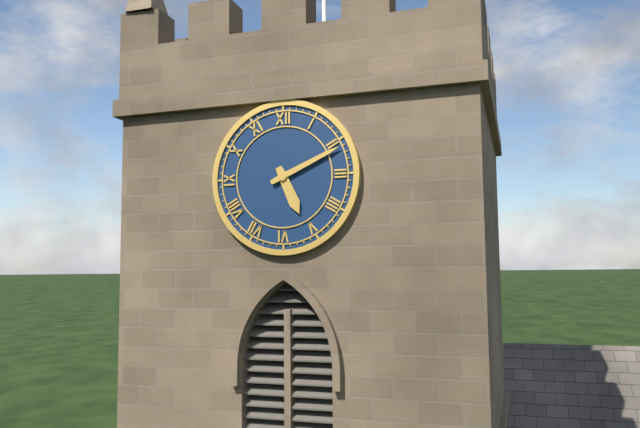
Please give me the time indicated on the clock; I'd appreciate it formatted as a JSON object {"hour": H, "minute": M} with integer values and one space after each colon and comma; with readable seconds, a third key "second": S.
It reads {"hour": 5, "minute": 11}
